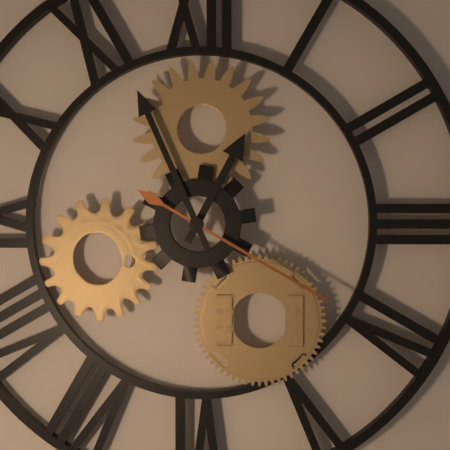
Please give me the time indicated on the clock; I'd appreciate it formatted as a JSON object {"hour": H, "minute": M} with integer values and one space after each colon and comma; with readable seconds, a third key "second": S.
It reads {"hour": 12, "minute": 56, "second": 20}
